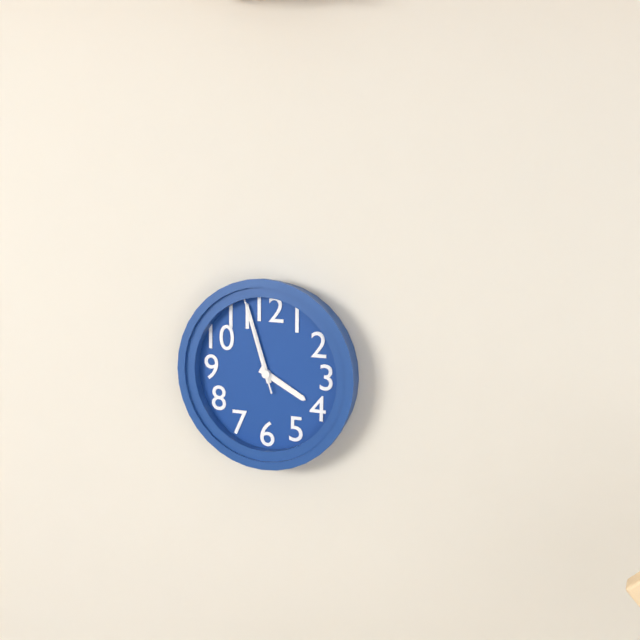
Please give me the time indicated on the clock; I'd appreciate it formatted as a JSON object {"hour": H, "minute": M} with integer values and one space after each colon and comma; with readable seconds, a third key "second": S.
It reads {"hour": 3, "minute": 57, "second": 57}
